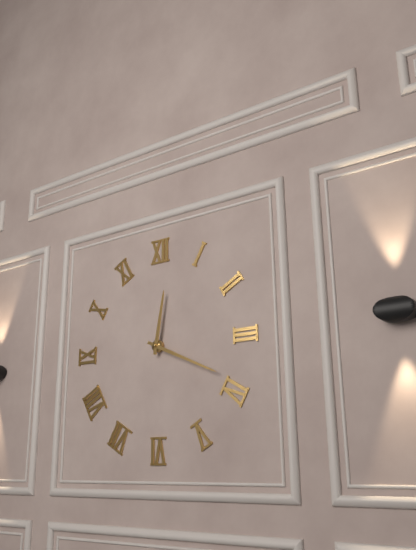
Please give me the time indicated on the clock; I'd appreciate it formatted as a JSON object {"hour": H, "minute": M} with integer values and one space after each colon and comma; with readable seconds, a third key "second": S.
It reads {"hour": 12, "minute": 19}
